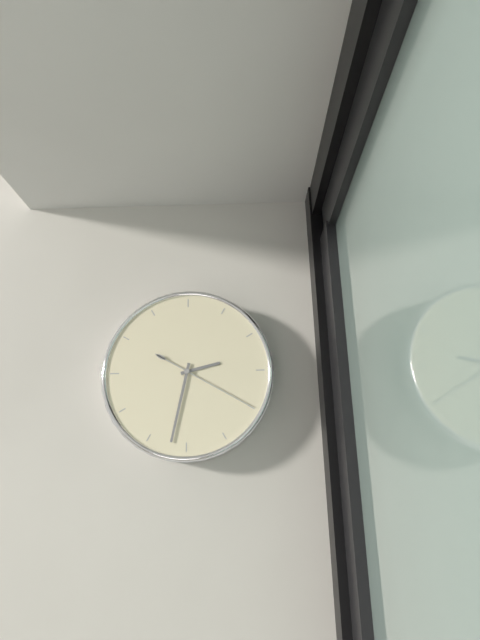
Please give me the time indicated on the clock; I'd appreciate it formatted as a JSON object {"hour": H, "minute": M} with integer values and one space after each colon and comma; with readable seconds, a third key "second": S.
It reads {"hour": 2, "minute": 32, "second": 20}
